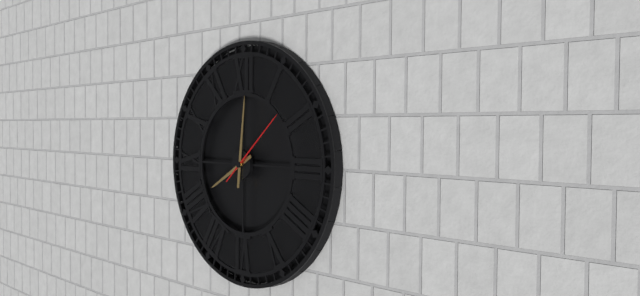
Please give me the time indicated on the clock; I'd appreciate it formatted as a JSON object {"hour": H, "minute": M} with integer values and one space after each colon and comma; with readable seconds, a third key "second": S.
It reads {"hour": 8, "minute": 1, "second": 8}
